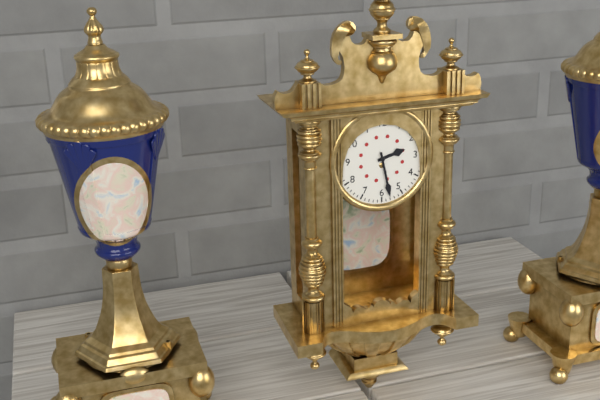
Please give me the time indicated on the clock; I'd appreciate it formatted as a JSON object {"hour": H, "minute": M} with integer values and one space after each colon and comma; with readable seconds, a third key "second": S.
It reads {"hour": 2, "minute": 28}
